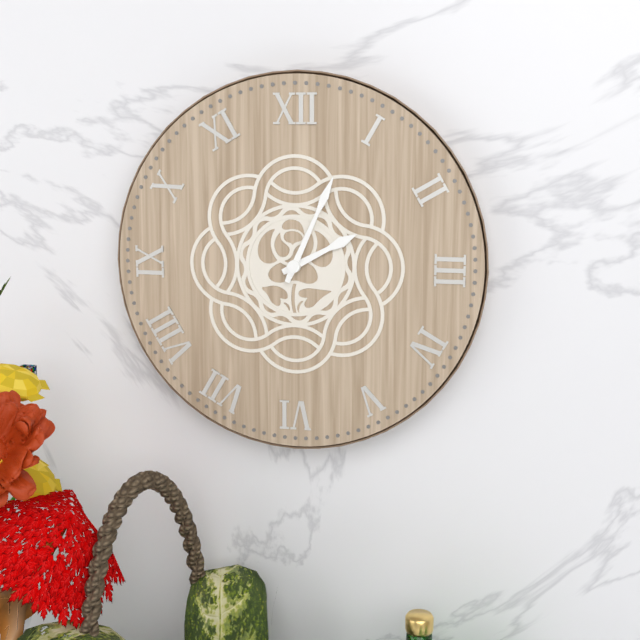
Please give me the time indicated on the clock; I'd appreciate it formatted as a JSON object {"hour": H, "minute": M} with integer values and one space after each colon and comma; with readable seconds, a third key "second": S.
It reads {"hour": 2, "minute": 4}
